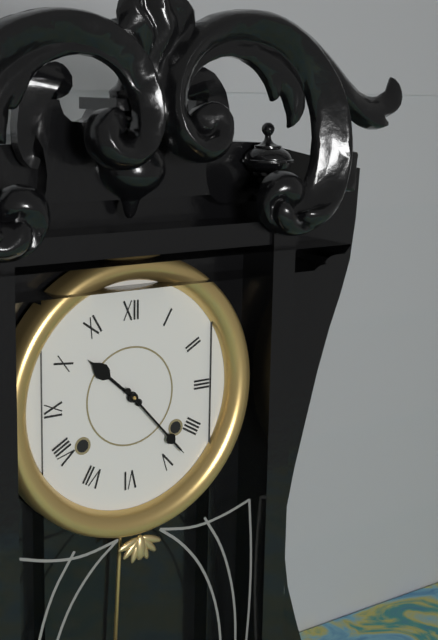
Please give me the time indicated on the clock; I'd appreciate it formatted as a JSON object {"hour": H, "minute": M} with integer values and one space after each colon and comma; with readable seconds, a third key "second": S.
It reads {"hour": 10, "minute": 23}
